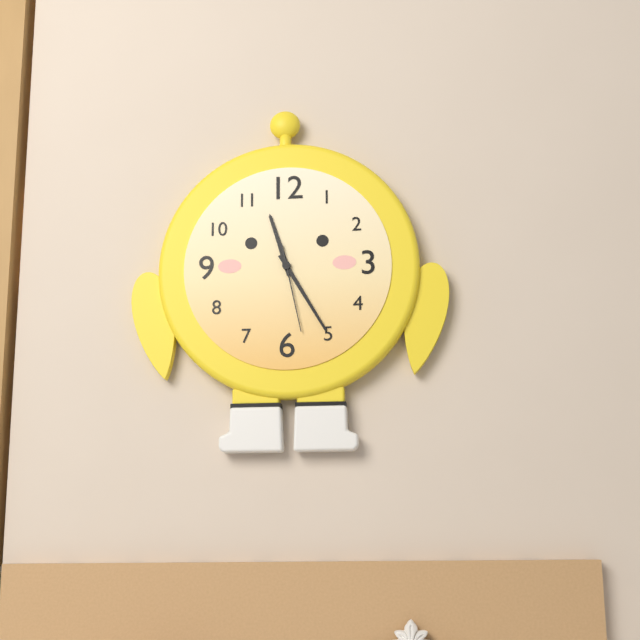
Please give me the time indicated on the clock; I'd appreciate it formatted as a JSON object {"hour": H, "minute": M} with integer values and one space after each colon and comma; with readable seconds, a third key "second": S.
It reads {"hour": 11, "minute": 25, "second": 28}
